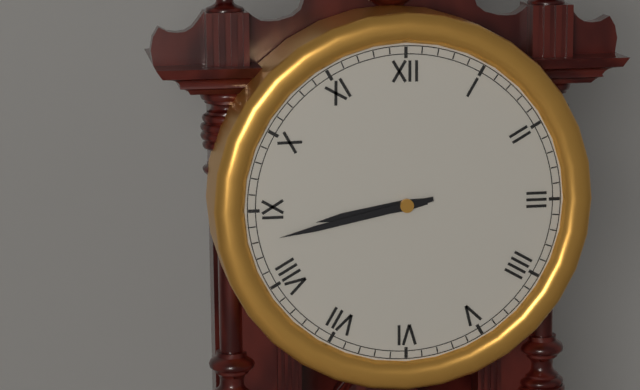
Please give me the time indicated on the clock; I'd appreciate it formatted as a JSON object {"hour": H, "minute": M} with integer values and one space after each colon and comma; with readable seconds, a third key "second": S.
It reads {"hour": 8, "minute": 43}
